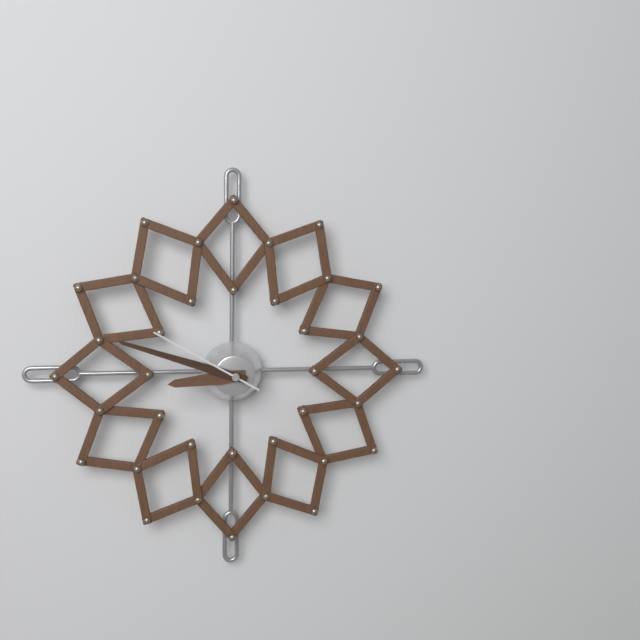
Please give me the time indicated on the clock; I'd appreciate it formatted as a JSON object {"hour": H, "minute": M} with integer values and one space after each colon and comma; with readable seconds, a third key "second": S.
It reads {"hour": 8, "minute": 48, "second": 50}
